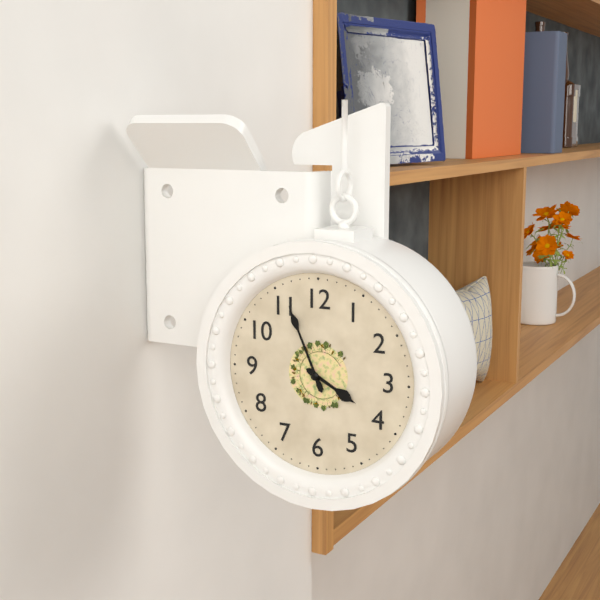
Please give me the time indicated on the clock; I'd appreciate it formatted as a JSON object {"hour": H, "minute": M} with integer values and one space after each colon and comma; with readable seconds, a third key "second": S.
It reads {"hour": 3, "minute": 56}
